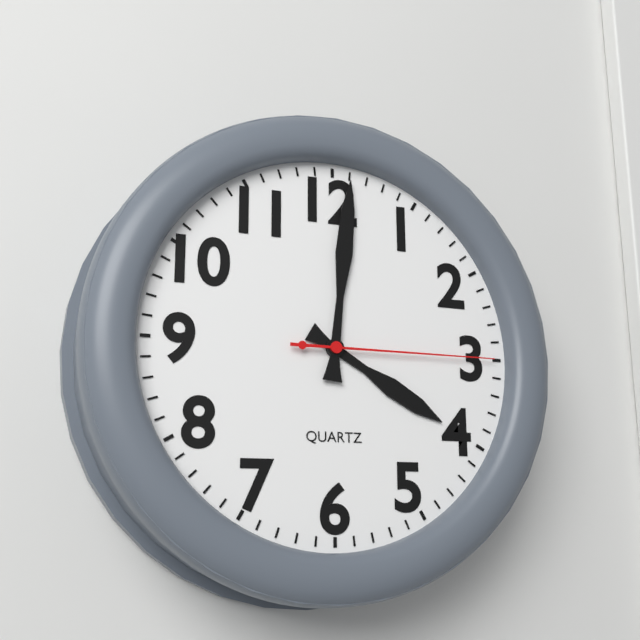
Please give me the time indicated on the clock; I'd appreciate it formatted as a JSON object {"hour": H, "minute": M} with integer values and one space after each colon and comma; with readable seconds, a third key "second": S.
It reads {"hour": 4, "minute": 1, "second": 15}
